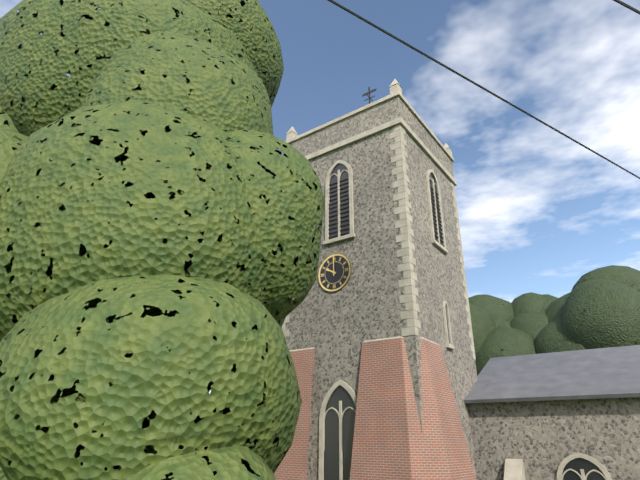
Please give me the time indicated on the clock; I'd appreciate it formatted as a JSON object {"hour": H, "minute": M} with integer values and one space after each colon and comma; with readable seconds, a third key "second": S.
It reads {"hour": 10, "minute": 0}
